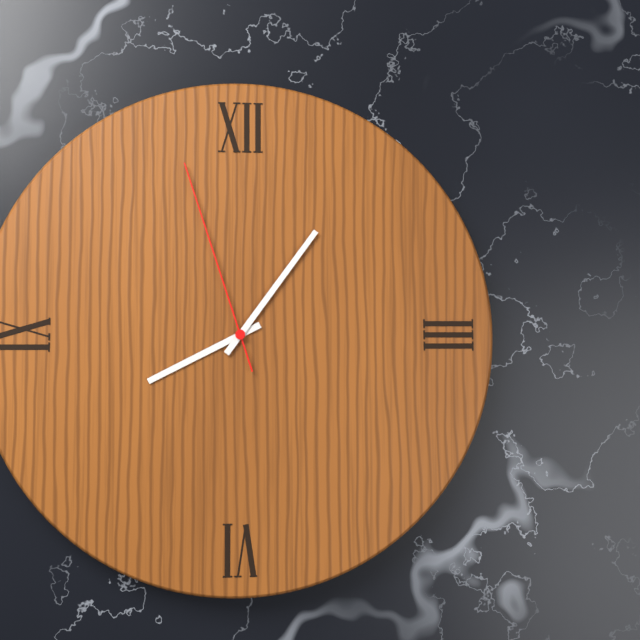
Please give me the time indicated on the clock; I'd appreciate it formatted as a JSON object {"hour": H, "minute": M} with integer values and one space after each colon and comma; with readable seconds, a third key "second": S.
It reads {"hour": 8, "minute": 6, "second": 57}
